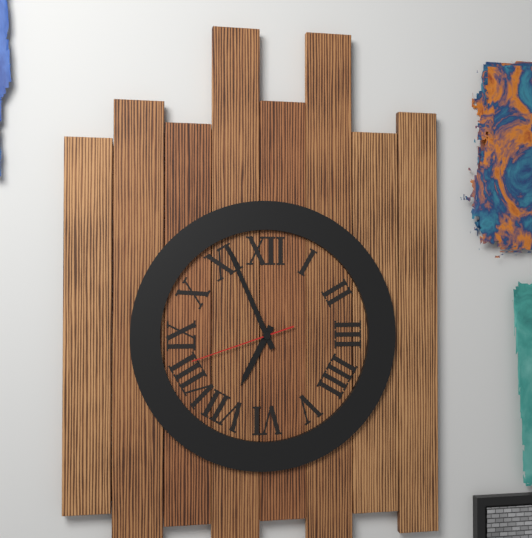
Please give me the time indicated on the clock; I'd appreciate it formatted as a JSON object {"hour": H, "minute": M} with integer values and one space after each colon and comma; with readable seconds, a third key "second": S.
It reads {"hour": 6, "minute": 56, "second": 42}
